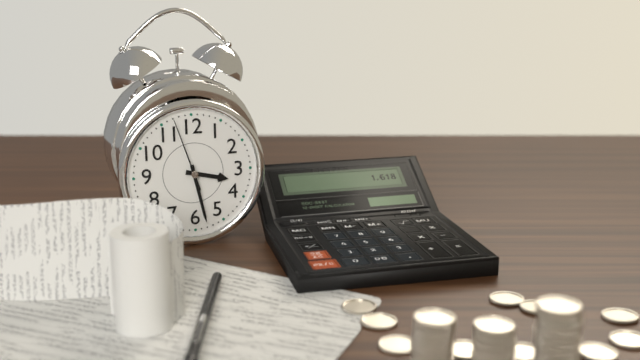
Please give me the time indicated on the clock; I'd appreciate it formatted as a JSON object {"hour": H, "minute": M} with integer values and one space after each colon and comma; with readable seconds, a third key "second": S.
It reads {"hour": 3, "minute": 28, "second": 57}
